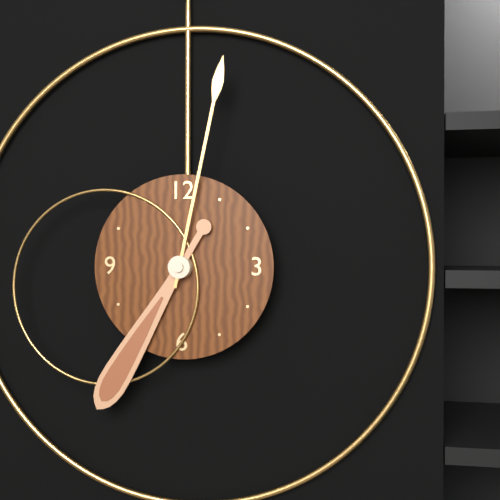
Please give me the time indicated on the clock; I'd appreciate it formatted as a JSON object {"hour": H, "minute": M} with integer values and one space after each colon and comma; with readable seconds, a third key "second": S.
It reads {"hour": 7, "minute": 2}
